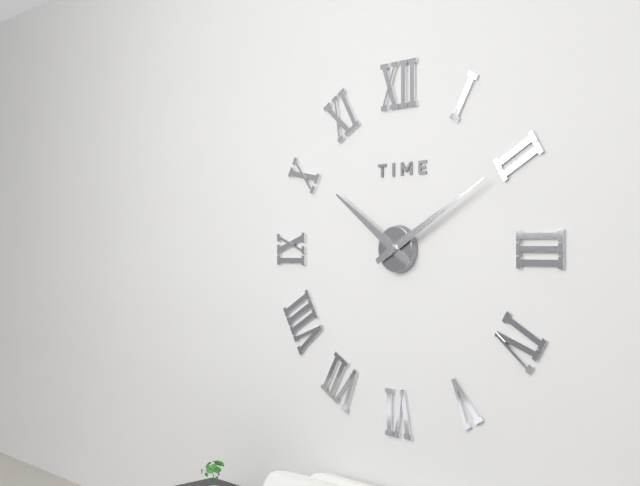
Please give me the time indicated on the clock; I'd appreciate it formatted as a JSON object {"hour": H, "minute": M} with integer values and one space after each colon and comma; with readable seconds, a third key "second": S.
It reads {"hour": 10, "minute": 10}
